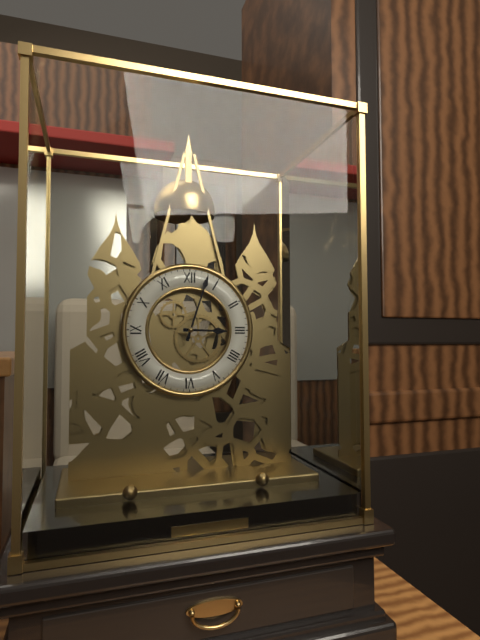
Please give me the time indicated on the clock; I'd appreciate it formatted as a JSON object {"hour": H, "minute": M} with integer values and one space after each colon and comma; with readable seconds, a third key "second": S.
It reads {"hour": 3, "minute": 3}
